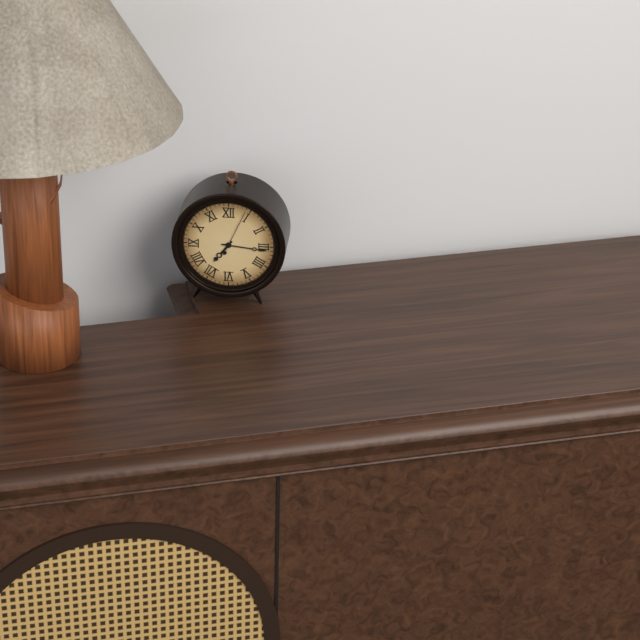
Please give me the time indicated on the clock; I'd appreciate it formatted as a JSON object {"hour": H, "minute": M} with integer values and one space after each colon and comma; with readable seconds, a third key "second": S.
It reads {"hour": 7, "minute": 16}
